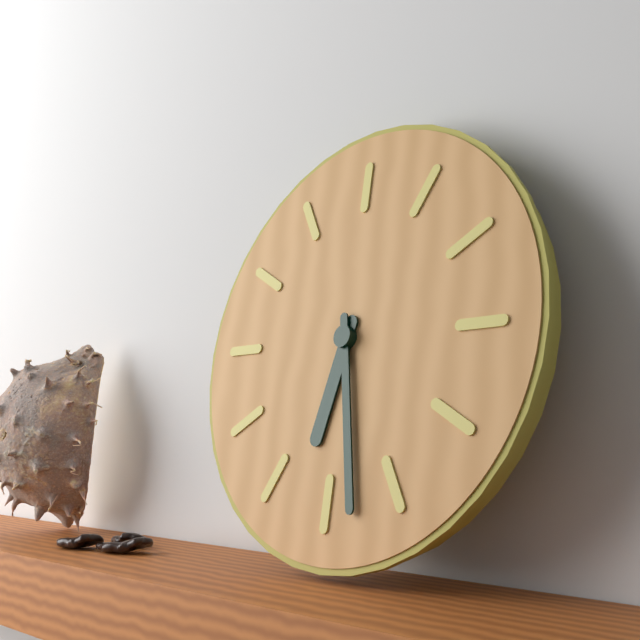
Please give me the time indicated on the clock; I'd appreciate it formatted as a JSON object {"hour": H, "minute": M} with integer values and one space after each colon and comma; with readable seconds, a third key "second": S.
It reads {"hour": 6, "minute": 28}
